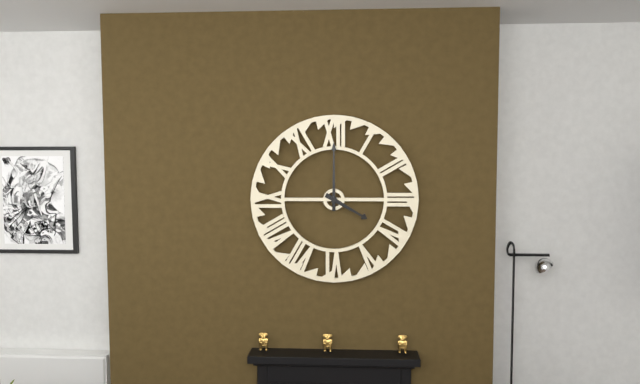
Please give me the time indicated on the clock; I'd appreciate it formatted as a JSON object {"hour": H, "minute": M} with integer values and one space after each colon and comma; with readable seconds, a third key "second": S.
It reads {"hour": 4, "minute": 0}
